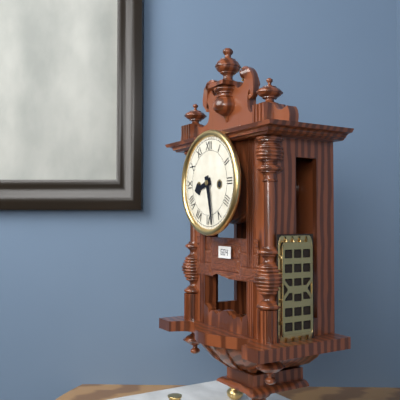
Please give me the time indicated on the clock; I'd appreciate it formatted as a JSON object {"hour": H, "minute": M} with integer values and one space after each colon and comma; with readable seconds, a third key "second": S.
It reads {"hour": 8, "minute": 28}
